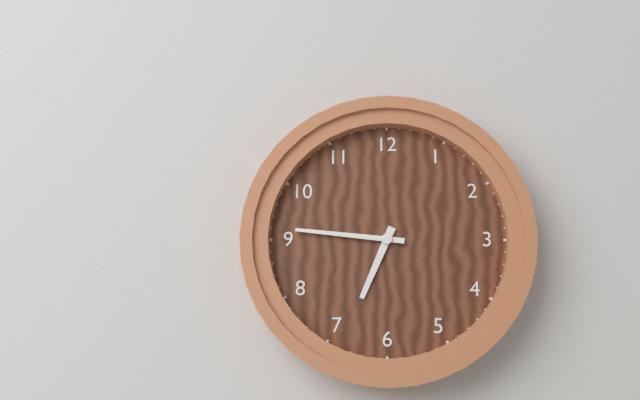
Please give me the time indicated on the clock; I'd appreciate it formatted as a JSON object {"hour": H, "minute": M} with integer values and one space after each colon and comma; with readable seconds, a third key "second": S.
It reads {"hour": 6, "minute": 46}
